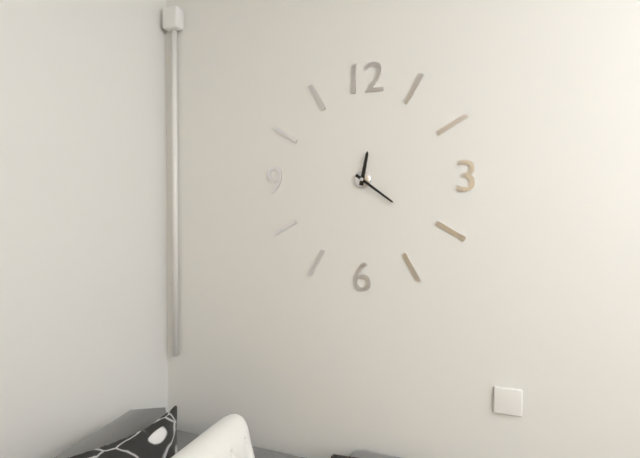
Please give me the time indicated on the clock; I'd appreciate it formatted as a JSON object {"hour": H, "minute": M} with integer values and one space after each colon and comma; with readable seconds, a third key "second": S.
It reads {"hour": 12, "minute": 21}
